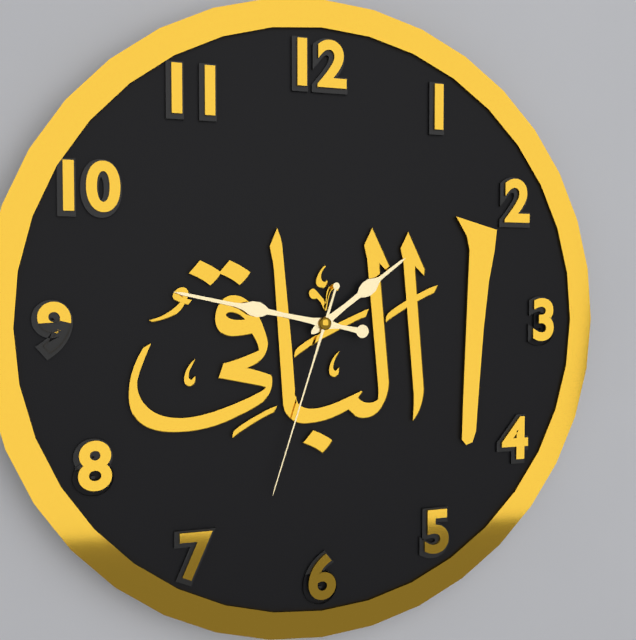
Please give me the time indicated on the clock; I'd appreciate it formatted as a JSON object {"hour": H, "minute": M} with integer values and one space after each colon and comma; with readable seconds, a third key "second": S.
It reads {"hour": 1, "minute": 47, "second": 33}
